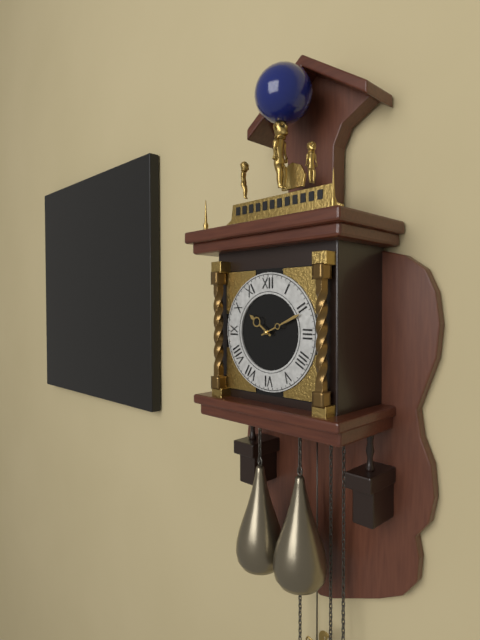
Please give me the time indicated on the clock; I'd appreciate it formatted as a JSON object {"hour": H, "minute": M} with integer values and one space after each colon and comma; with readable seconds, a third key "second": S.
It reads {"hour": 10, "minute": 11}
